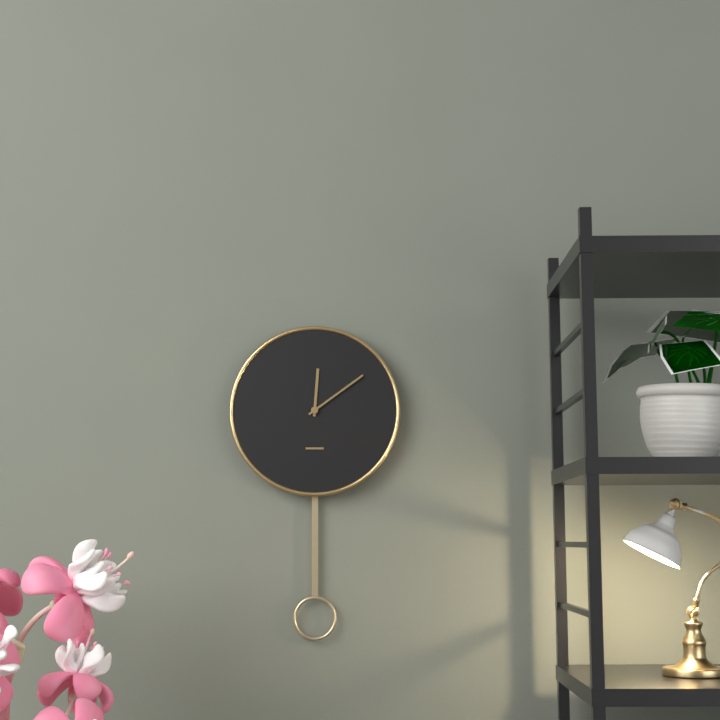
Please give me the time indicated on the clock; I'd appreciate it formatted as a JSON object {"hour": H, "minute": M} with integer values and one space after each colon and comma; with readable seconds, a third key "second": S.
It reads {"hour": 12, "minute": 9}
